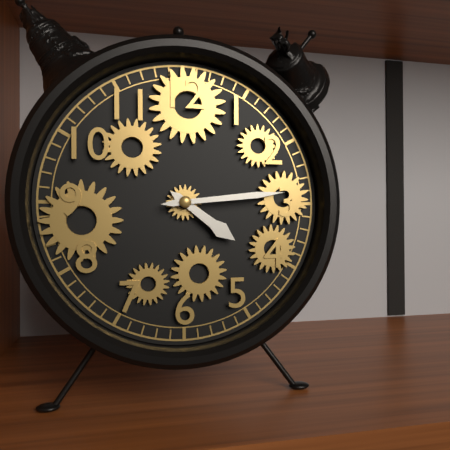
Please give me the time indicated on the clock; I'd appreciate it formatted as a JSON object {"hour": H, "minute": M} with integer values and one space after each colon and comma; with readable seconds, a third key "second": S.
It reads {"hour": 4, "minute": 14}
